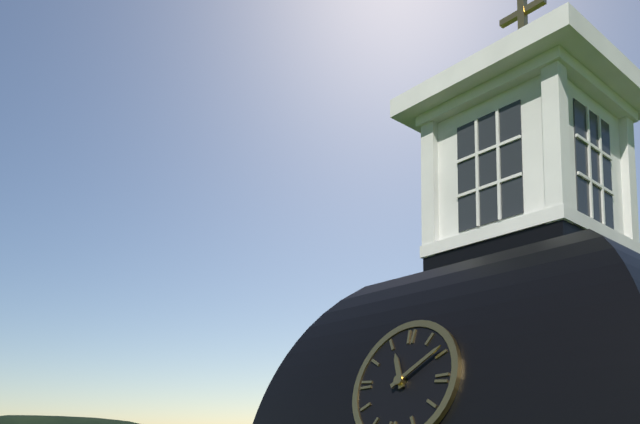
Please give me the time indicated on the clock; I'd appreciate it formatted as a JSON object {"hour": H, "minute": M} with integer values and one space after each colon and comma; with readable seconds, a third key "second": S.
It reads {"hour": 11, "minute": 9}
